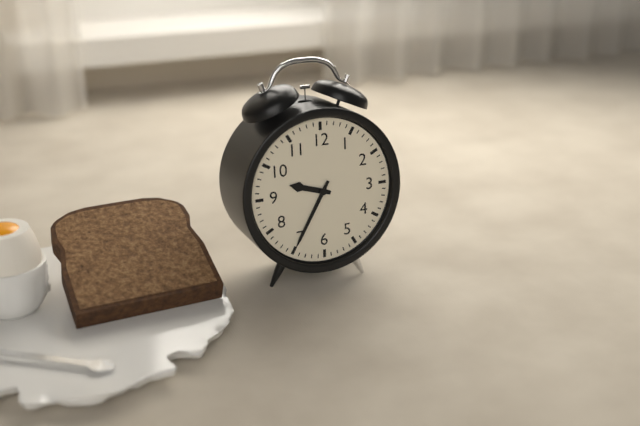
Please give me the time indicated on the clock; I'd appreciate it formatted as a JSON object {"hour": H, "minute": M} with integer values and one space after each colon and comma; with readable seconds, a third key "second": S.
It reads {"hour": 9, "minute": 35}
